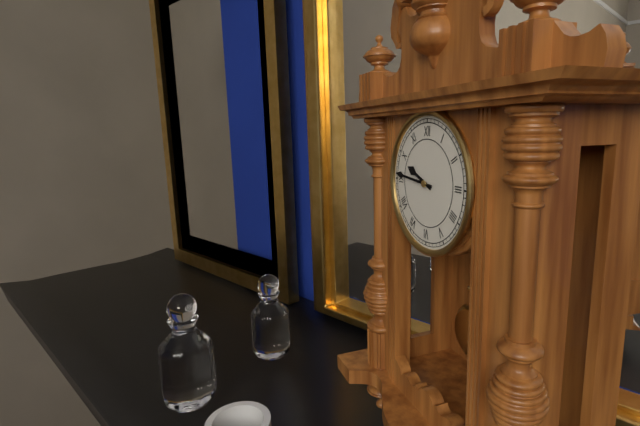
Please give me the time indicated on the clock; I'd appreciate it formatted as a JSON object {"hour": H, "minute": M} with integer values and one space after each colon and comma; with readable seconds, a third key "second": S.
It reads {"hour": 9, "minute": 46}
